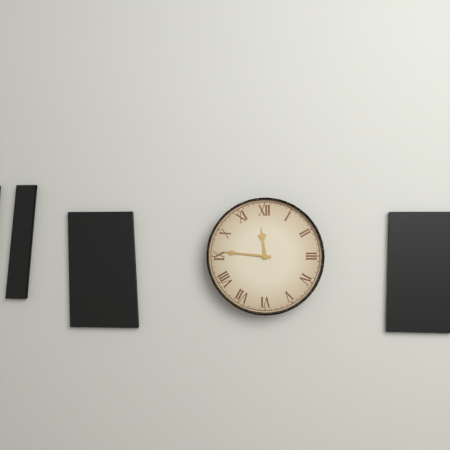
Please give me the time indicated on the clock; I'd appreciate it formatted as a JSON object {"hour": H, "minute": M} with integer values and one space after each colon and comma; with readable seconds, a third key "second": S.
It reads {"hour": 11, "minute": 46}
